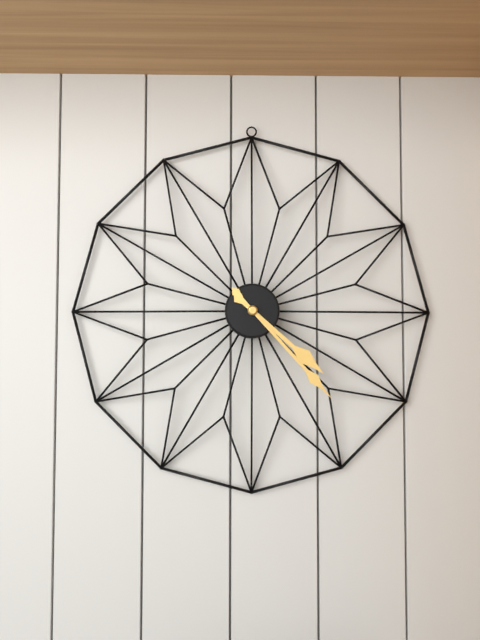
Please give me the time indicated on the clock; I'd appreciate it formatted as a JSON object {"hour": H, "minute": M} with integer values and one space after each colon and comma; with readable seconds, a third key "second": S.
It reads {"hour": 4, "minute": 23}
